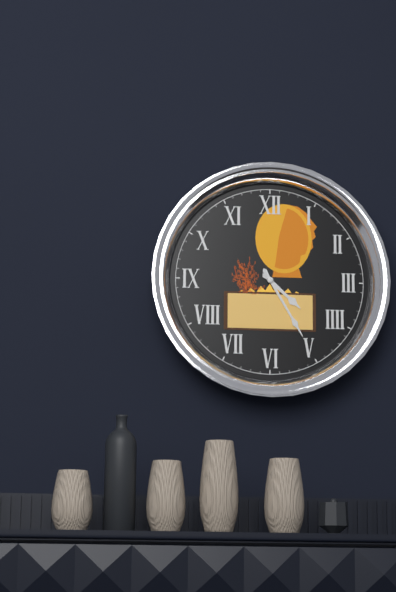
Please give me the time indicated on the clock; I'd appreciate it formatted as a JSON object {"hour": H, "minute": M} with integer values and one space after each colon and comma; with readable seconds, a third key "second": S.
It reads {"hour": 4, "minute": 25}
